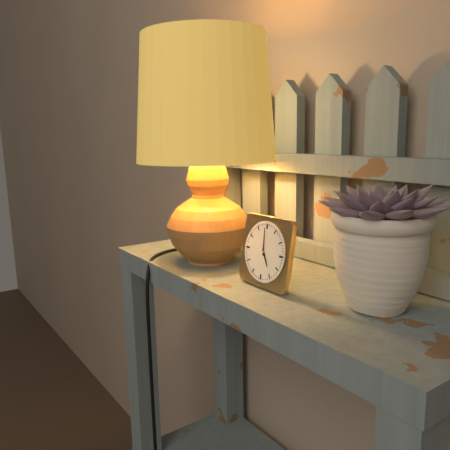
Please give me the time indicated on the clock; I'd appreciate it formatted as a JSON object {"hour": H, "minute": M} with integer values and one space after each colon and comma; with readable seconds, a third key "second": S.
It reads {"hour": 4, "minute": 59}
